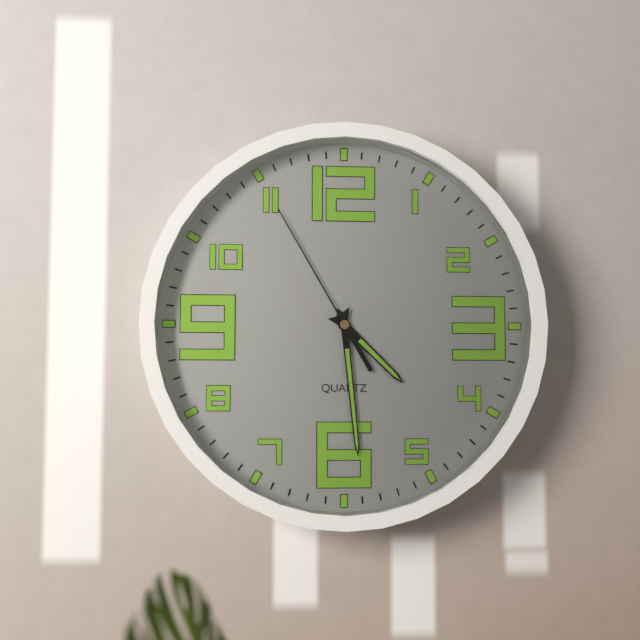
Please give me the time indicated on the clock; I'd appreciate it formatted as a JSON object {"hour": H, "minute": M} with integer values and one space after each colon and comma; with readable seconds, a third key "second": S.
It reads {"hour": 4, "minute": 29, "second": 55}
